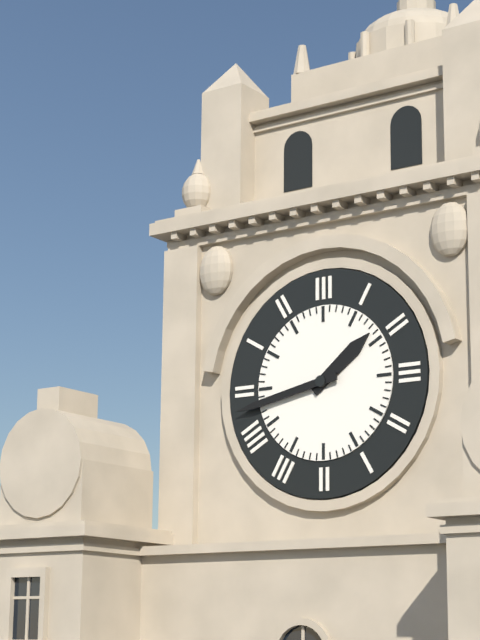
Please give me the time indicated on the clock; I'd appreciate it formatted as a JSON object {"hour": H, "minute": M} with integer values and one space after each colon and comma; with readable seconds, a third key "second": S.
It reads {"hour": 1, "minute": 43}
